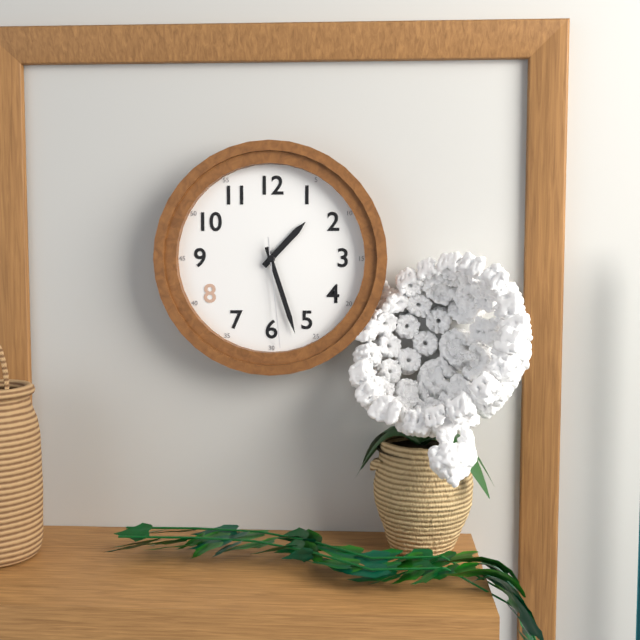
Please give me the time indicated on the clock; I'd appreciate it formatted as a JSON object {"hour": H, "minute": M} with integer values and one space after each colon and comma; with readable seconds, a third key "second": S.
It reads {"hour": 1, "minute": 27, "second": 29}
